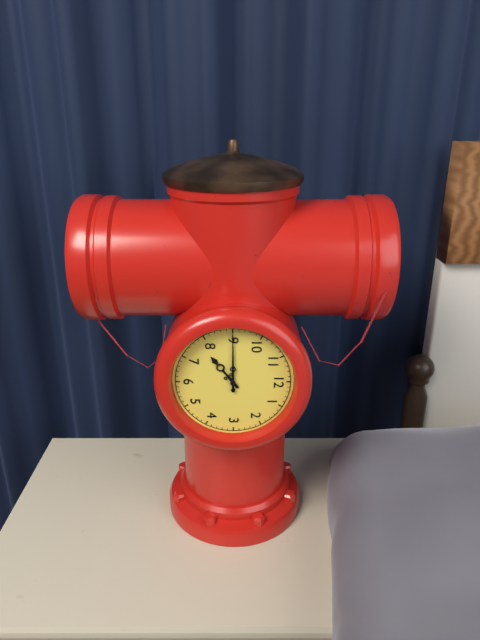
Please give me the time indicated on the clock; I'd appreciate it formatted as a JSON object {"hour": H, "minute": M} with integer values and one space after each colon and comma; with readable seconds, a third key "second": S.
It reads {"hour": 7, "minute": 45}
